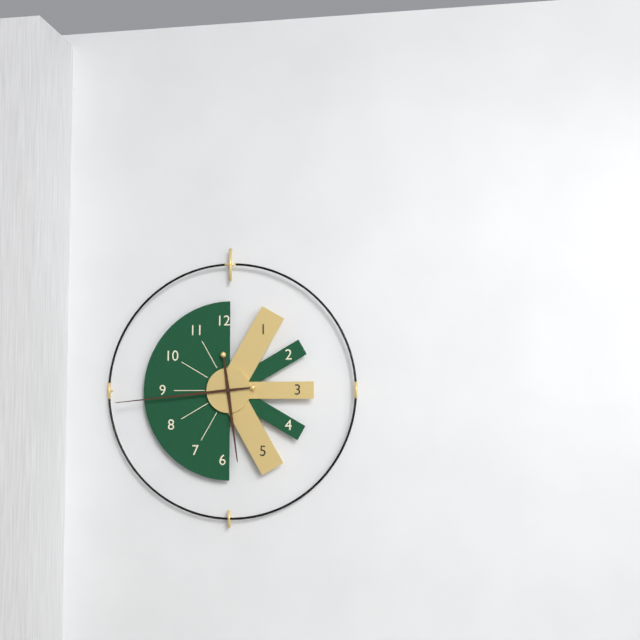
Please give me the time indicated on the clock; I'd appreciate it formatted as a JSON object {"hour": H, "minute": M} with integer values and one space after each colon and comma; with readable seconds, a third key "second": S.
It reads {"hour": 5, "minute": 44}
